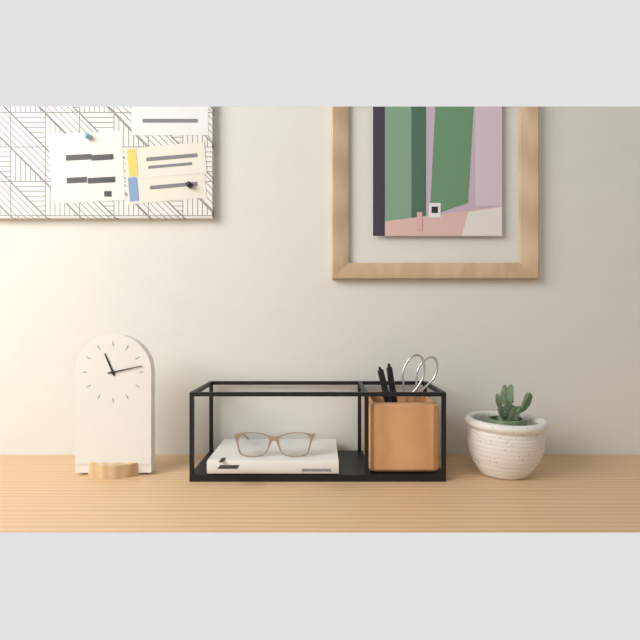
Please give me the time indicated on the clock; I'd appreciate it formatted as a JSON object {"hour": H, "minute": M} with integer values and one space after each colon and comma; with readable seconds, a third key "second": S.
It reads {"hour": 11, "minute": 13}
